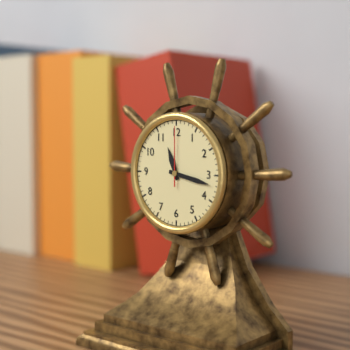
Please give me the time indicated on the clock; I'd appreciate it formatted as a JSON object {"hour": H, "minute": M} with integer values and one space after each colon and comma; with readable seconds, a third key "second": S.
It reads {"hour": 11, "minute": 17, "second": 0}
